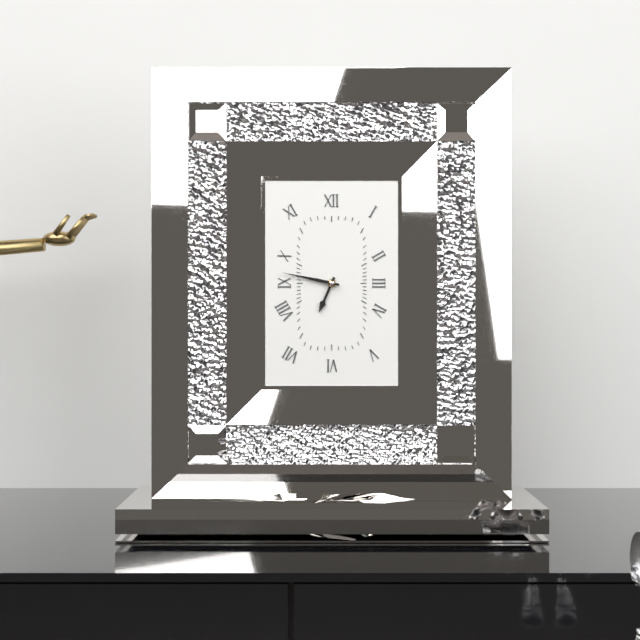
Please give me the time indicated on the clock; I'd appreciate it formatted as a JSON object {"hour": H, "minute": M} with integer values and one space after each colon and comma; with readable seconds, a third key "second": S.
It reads {"hour": 6, "minute": 47}
